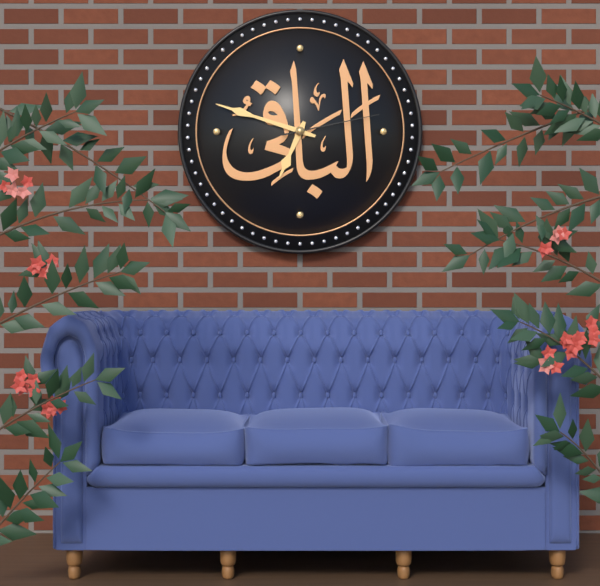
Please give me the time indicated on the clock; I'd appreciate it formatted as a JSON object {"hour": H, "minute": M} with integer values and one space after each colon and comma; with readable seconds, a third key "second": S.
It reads {"hour": 6, "minute": 48, "second": 13}
